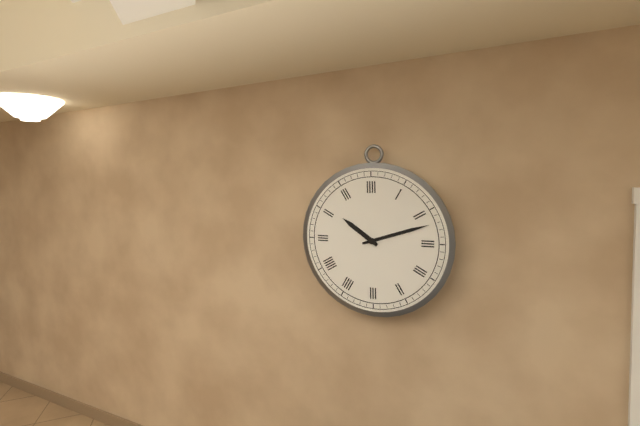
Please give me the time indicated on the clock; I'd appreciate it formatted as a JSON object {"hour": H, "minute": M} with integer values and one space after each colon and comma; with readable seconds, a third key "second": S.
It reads {"hour": 10, "minute": 12}
